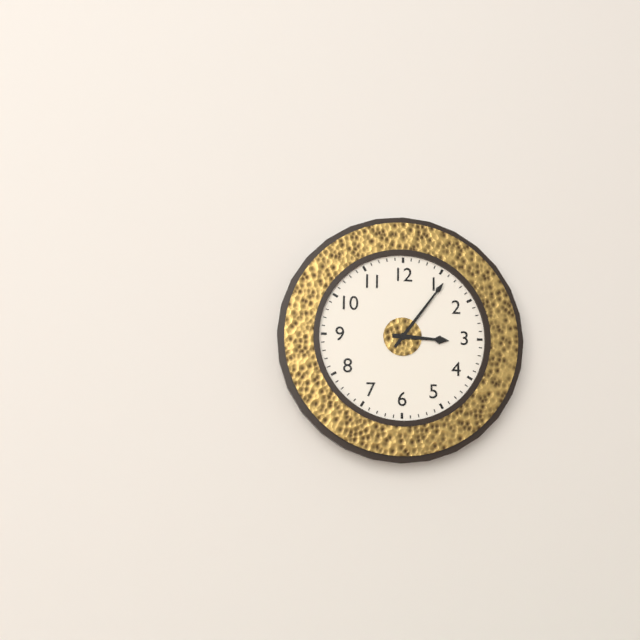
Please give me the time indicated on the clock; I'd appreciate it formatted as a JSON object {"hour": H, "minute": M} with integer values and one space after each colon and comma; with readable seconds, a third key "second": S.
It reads {"hour": 3, "minute": 6}
